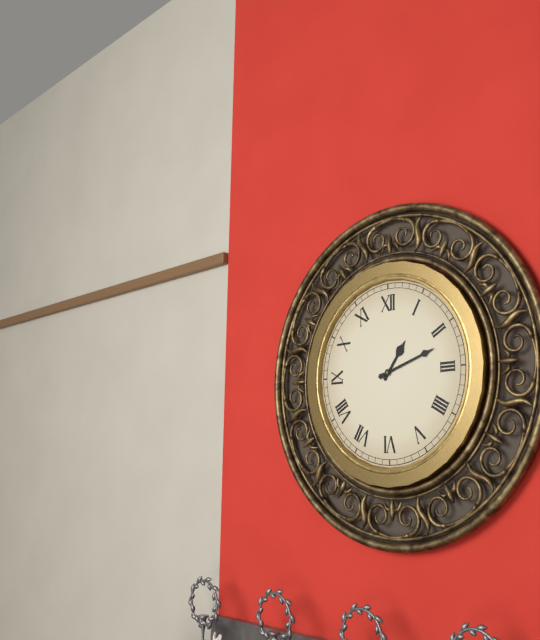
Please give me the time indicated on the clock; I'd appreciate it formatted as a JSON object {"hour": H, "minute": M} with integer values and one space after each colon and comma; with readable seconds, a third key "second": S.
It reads {"hour": 1, "minute": 12}
